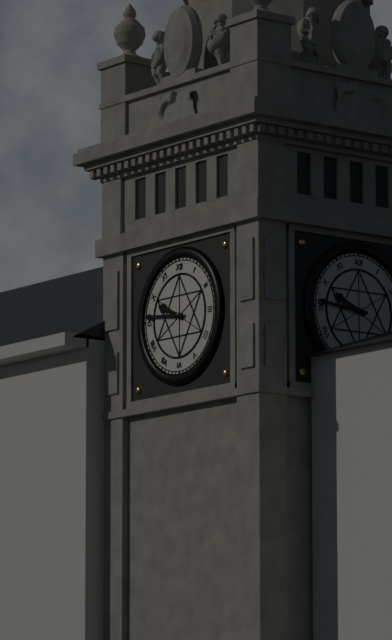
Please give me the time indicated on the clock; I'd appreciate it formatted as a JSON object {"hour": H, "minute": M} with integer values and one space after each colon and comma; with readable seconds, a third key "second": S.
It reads {"hour": 9, "minute": 46}
